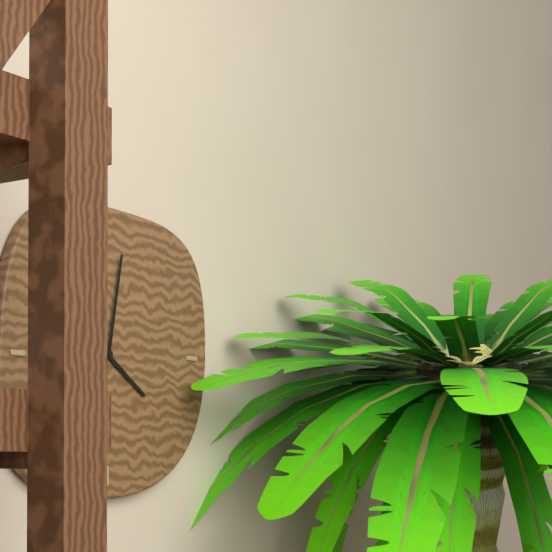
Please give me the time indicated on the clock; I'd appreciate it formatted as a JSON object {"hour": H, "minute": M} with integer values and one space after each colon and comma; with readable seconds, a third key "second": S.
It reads {"hour": 4, "minute": 2}
